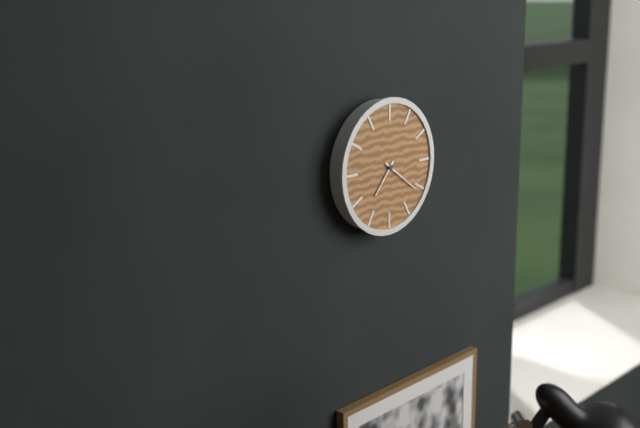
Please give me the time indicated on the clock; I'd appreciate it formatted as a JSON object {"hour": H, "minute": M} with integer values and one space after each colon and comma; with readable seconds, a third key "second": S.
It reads {"hour": 7, "minute": 21}
